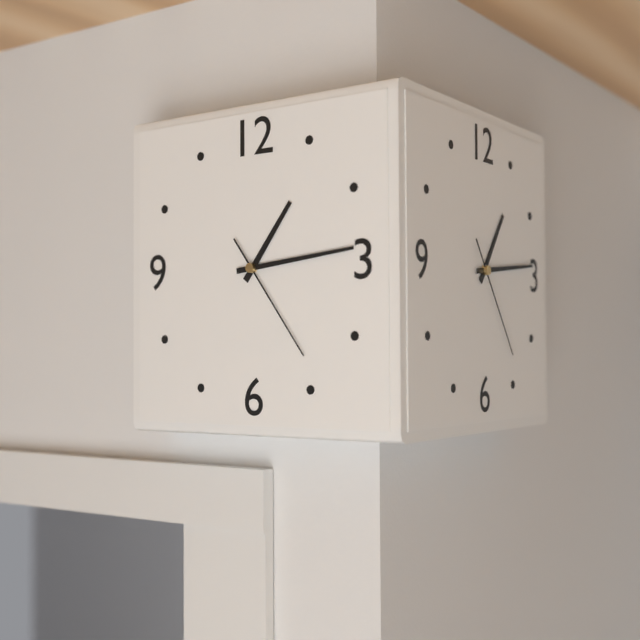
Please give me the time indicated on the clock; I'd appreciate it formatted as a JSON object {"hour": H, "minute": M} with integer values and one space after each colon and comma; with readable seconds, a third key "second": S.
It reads {"hour": 1, "minute": 14, "second": 24}
